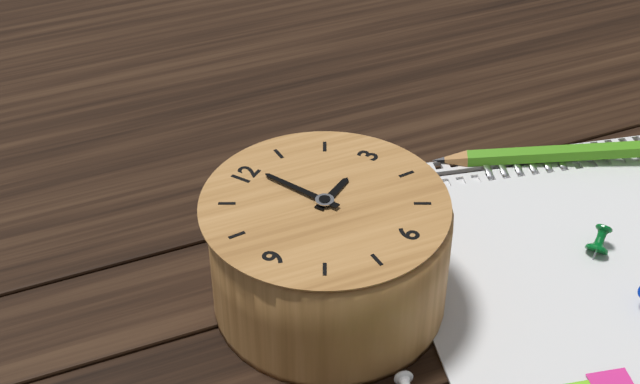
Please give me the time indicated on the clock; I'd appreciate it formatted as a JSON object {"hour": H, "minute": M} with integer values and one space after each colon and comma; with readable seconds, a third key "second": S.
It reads {"hour": 3, "minute": 1}
